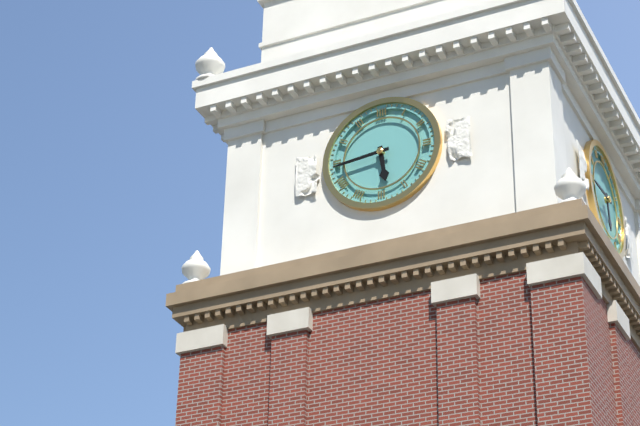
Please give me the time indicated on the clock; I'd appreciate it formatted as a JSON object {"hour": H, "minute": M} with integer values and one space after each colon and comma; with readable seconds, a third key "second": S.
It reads {"hour": 5, "minute": 44}
